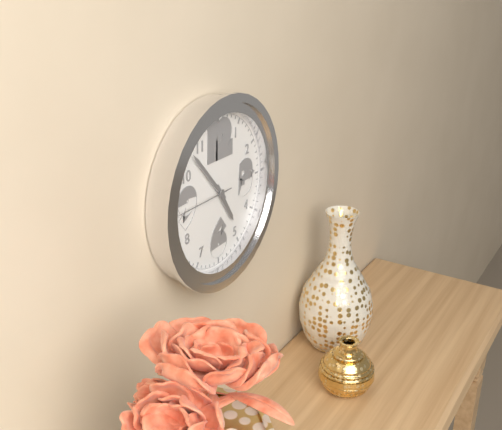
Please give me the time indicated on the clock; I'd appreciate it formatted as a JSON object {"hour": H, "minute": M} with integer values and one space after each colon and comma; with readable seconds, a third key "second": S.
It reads {"hour": 4, "minute": 53, "second": 45}
